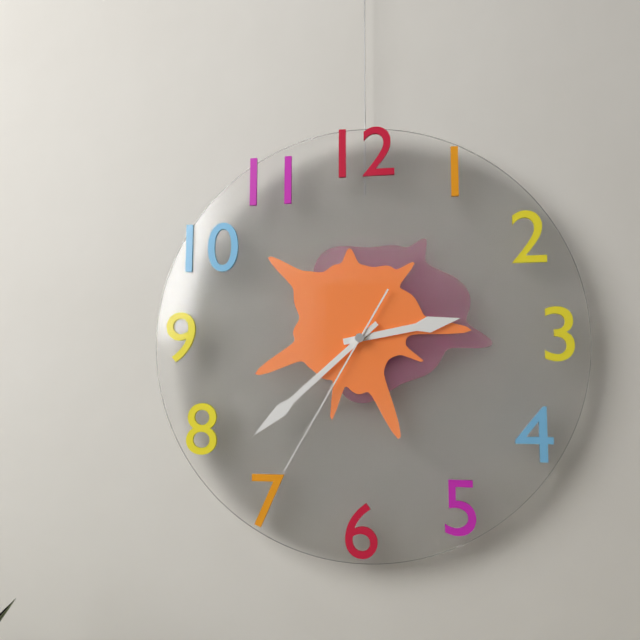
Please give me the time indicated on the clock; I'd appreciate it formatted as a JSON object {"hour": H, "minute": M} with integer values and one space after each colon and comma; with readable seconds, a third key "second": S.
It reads {"hour": 2, "minute": 38, "second": 35}
